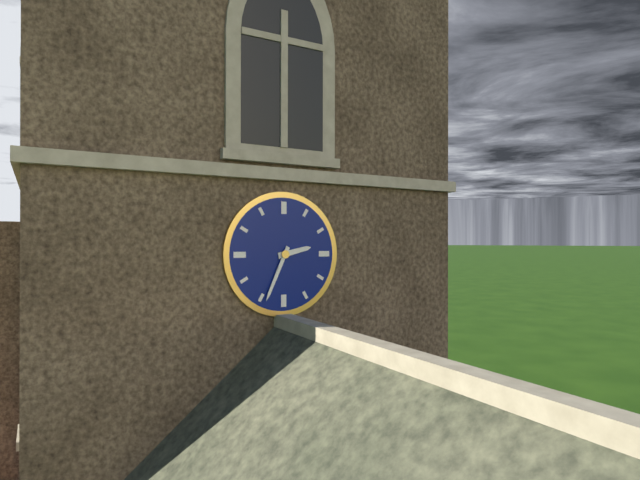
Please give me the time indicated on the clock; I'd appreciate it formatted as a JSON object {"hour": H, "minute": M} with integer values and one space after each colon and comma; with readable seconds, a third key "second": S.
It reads {"hour": 2, "minute": 34}
